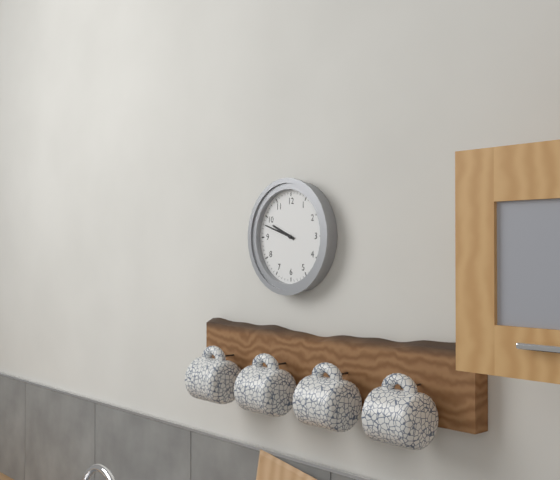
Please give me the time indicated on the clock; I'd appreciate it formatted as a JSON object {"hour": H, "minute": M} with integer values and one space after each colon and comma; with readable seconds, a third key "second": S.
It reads {"hour": 9, "minute": 48}
